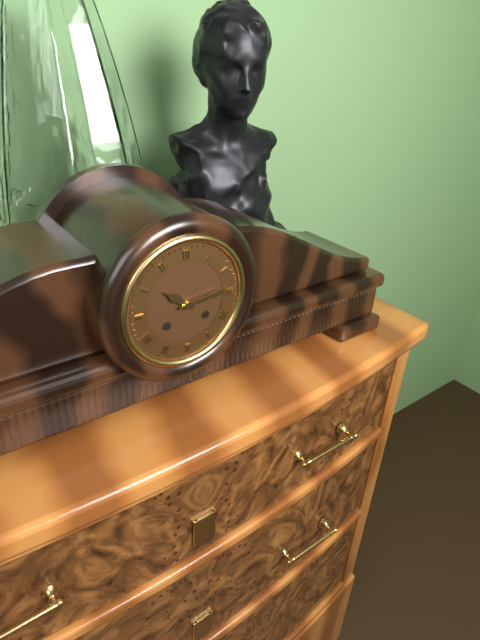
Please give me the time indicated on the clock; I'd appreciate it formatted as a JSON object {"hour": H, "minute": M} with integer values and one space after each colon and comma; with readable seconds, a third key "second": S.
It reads {"hour": 10, "minute": 14}
